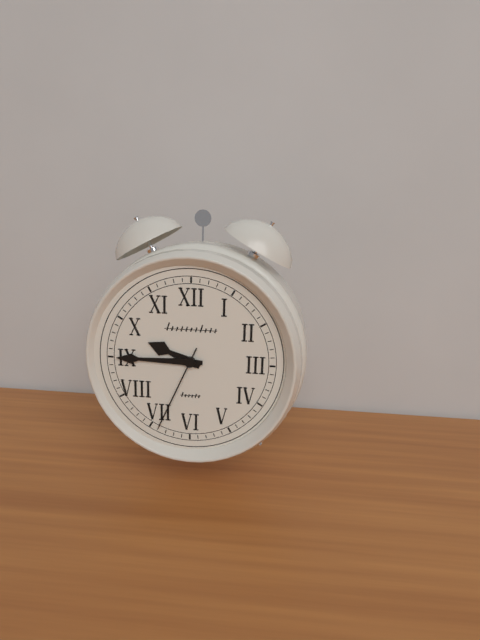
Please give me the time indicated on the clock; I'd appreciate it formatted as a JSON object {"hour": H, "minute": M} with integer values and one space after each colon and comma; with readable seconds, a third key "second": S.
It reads {"hour": 9, "minute": 45, "second": 34}
